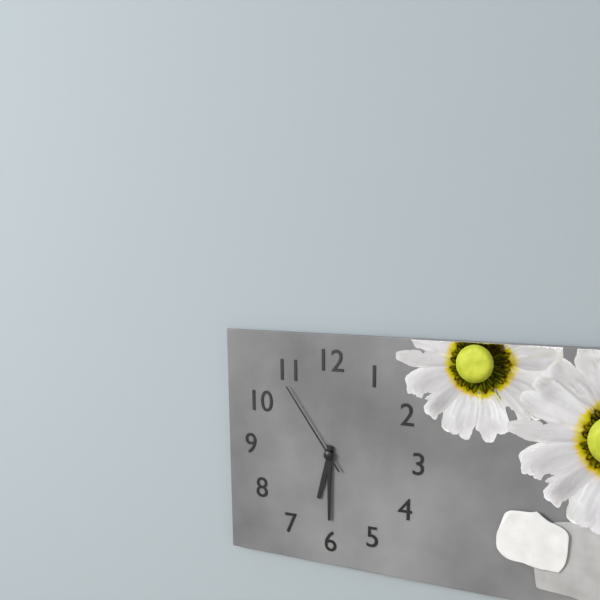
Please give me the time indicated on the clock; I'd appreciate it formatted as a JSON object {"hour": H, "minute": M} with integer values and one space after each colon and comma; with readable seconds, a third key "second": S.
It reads {"hour": 6, "minute": 30, "second": 54}
